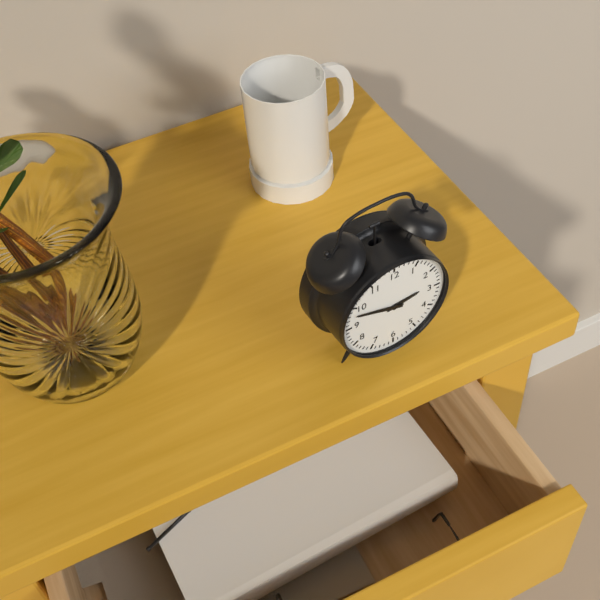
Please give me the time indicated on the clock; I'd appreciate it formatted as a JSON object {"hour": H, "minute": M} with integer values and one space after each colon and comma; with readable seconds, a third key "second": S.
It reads {"hour": 2, "minute": 48}
